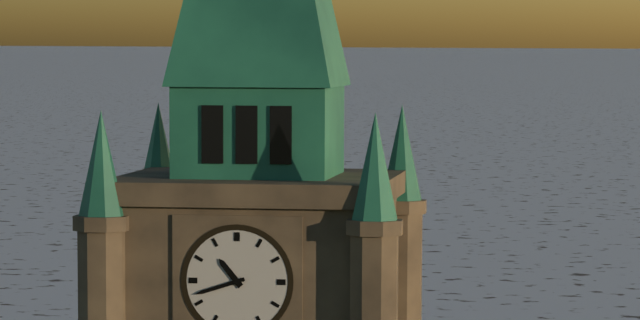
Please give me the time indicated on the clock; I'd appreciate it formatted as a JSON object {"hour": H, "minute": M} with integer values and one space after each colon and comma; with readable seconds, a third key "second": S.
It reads {"hour": 10, "minute": 42}
